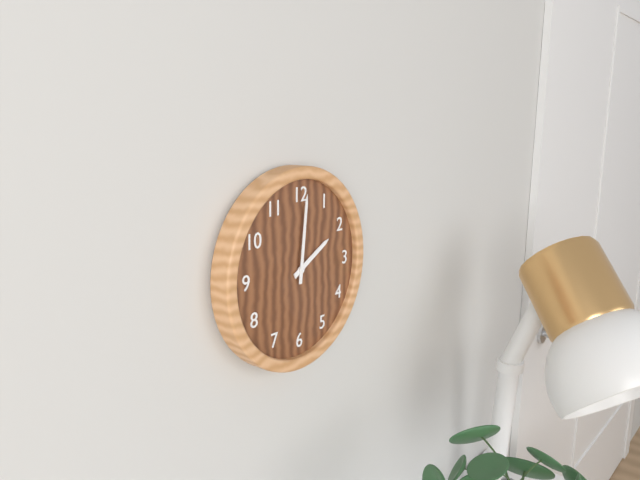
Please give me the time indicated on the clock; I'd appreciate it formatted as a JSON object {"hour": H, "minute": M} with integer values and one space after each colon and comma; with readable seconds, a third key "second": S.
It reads {"hour": 2, "minute": 1}
